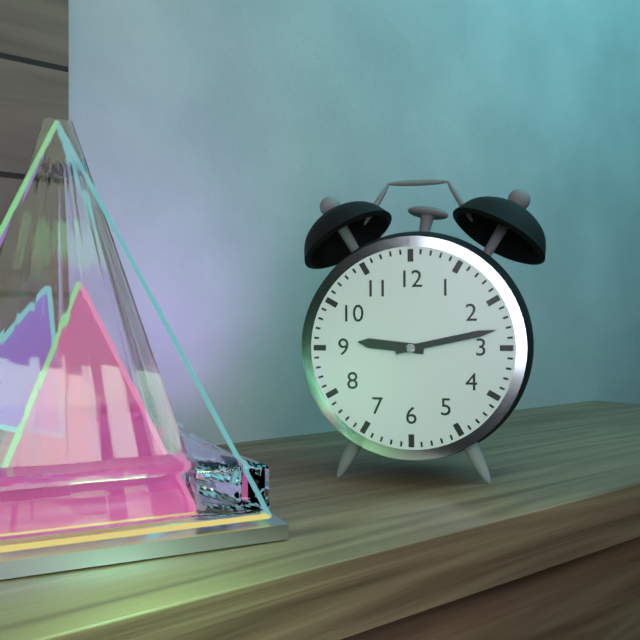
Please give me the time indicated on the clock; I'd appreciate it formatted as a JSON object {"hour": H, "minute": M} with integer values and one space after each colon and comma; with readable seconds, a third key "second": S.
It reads {"hour": 9, "minute": 13}
